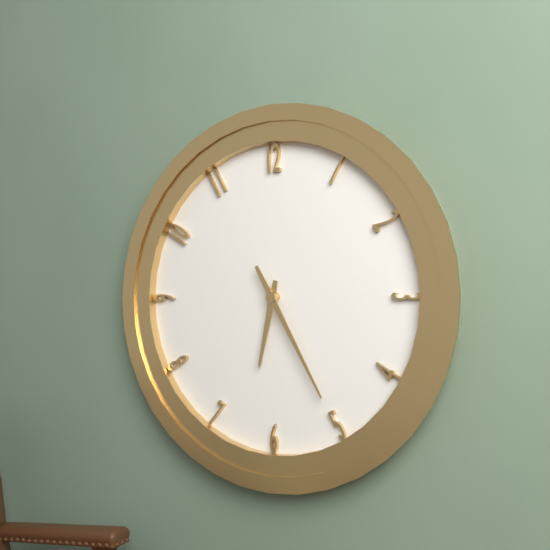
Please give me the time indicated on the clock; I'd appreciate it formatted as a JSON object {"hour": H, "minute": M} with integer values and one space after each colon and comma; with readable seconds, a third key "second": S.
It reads {"hour": 6, "minute": 25}
